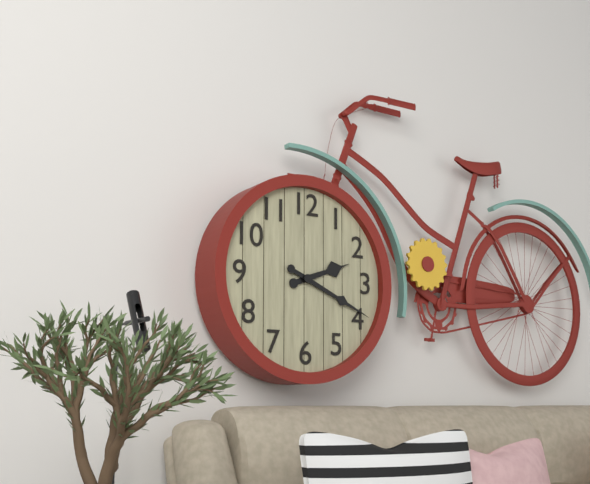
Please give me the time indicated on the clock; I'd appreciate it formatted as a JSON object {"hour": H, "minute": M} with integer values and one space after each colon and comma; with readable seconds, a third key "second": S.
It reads {"hour": 2, "minute": 19}
